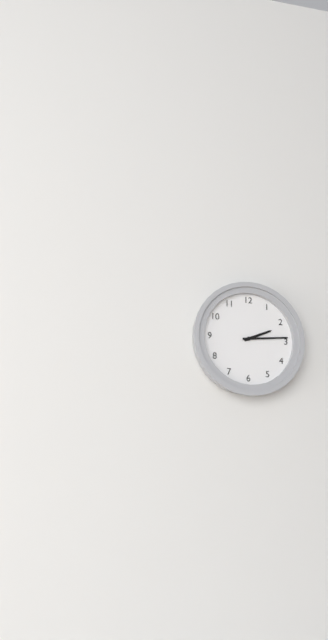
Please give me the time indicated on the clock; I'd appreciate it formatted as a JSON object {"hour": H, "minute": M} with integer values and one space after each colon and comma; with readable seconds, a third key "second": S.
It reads {"hour": 2, "minute": 14}
